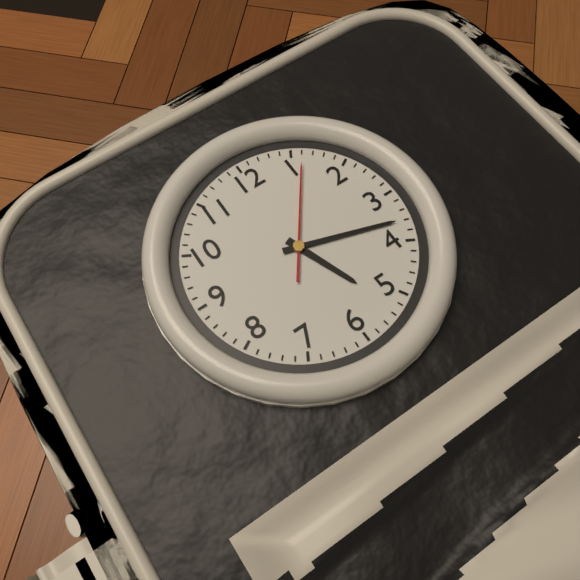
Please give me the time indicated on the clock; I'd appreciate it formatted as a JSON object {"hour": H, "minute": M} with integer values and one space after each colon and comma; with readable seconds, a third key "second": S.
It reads {"hour": 5, "minute": 18, "second": 6}
